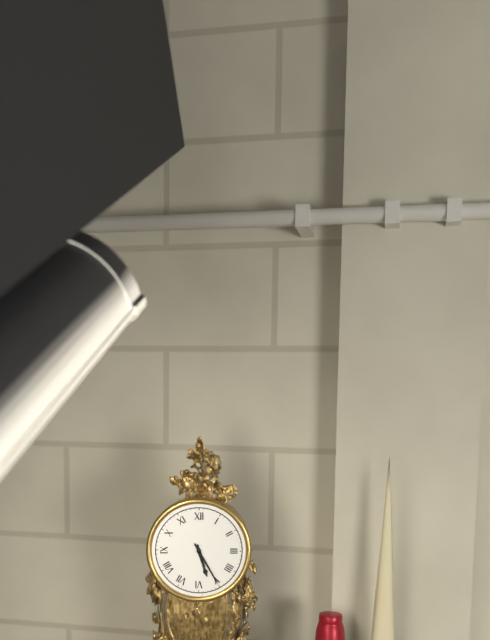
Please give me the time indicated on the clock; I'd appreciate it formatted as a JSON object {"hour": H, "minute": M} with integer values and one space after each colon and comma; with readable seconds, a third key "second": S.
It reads {"hour": 5, "minute": 25}
